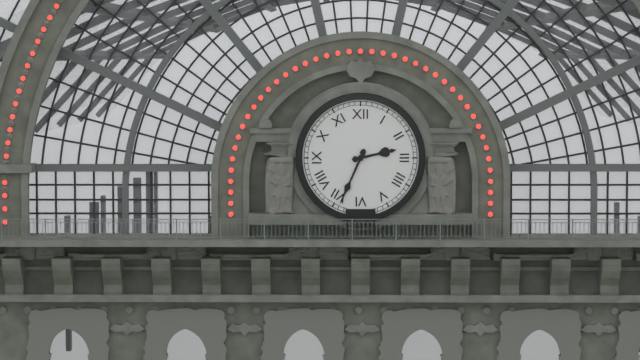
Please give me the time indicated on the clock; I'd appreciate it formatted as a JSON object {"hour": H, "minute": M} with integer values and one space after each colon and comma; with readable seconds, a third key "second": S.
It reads {"hour": 2, "minute": 34}
